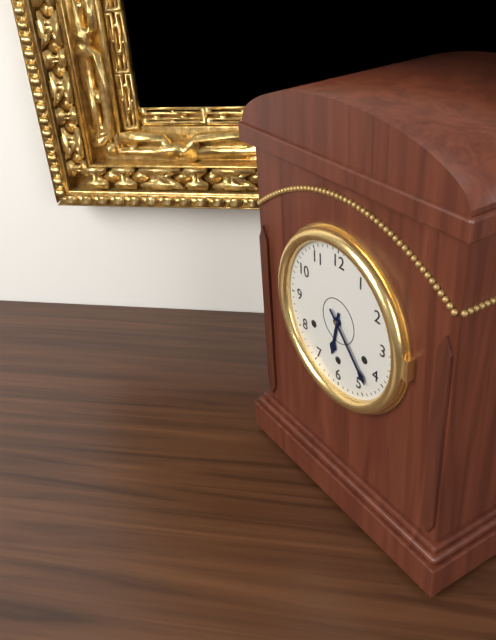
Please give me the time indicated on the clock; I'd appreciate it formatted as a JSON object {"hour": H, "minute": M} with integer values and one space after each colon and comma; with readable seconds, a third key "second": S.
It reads {"hour": 6, "minute": 23}
